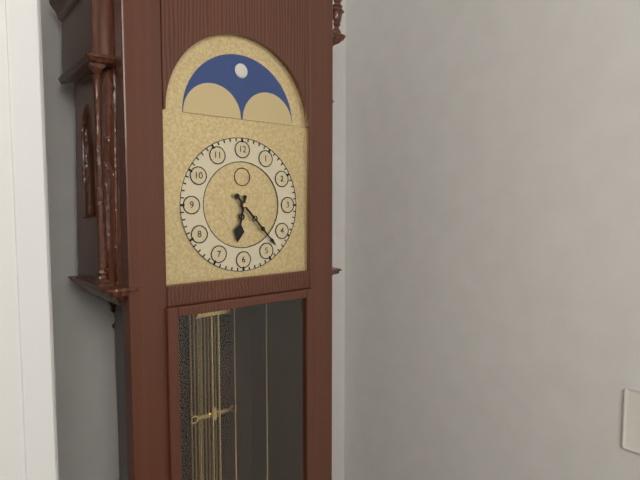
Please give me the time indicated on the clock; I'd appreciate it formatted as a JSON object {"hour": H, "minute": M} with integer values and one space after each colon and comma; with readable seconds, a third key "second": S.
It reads {"hour": 6, "minute": 23}
